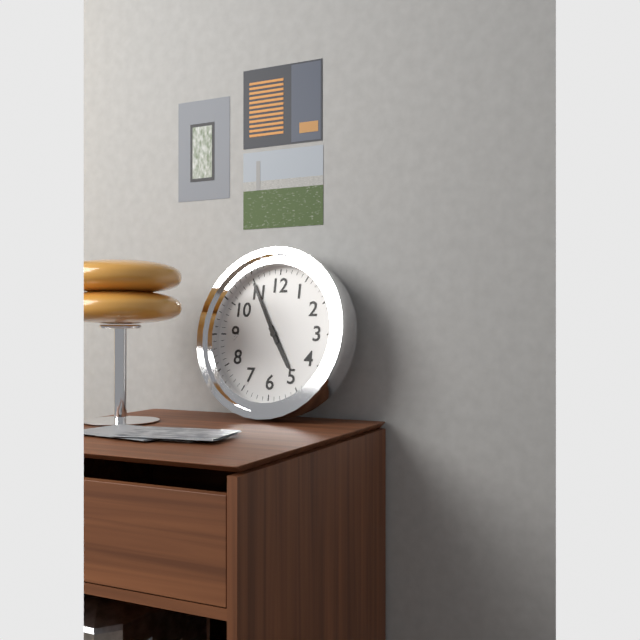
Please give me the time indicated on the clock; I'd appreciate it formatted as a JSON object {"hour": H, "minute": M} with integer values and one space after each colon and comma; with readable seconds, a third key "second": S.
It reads {"hour": 4, "minute": 55}
